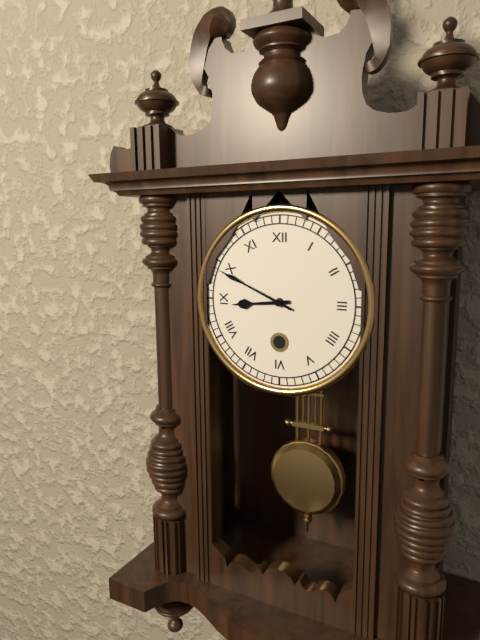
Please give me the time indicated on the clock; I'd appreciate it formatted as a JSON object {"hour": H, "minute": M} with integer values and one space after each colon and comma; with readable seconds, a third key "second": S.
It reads {"hour": 8, "minute": 49}
